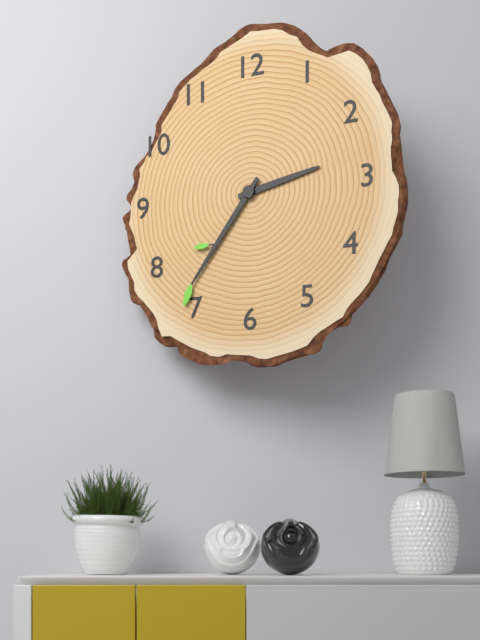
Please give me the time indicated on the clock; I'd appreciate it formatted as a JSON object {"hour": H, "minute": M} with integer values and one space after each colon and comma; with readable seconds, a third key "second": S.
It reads {"hour": 2, "minute": 36}
